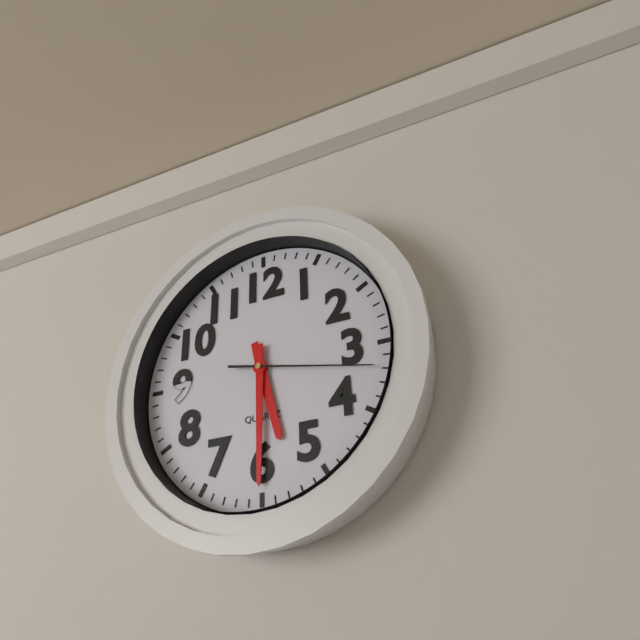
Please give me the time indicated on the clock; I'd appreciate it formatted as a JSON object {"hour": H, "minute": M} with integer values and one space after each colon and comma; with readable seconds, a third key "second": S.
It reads {"hour": 5, "minute": 30, "second": 17}
